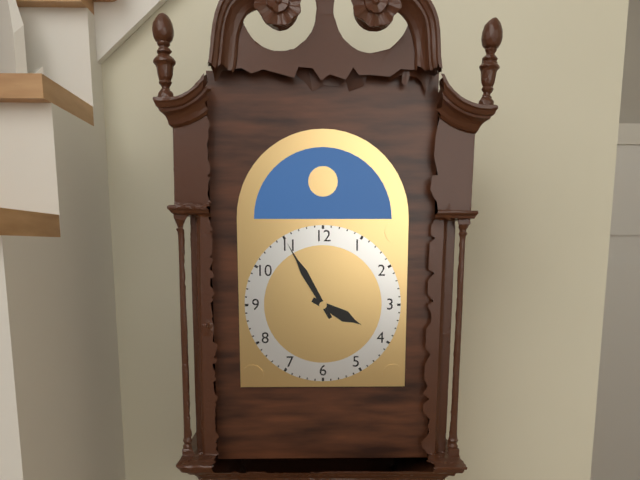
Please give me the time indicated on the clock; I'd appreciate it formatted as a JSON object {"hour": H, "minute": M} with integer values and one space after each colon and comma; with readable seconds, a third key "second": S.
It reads {"hour": 3, "minute": 55}
